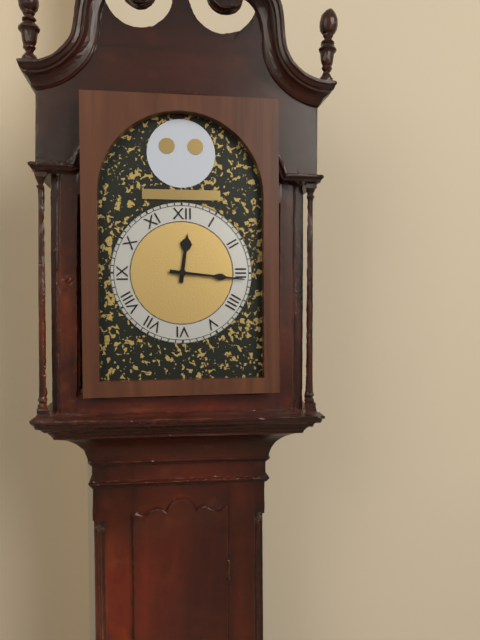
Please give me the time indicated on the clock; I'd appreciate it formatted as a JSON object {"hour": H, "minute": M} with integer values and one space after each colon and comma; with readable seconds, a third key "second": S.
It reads {"hour": 12, "minute": 16}
